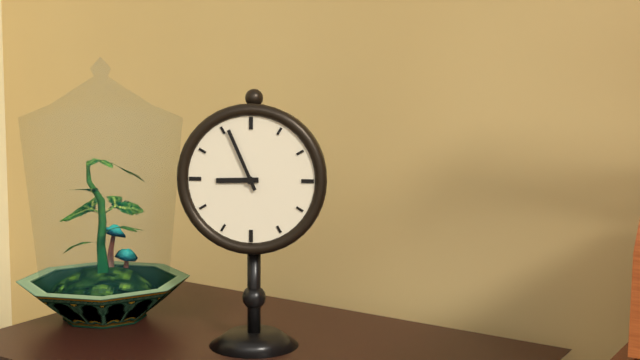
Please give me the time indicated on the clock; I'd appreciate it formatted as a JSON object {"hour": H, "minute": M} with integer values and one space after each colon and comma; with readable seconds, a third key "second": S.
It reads {"hour": 8, "minute": 56}
